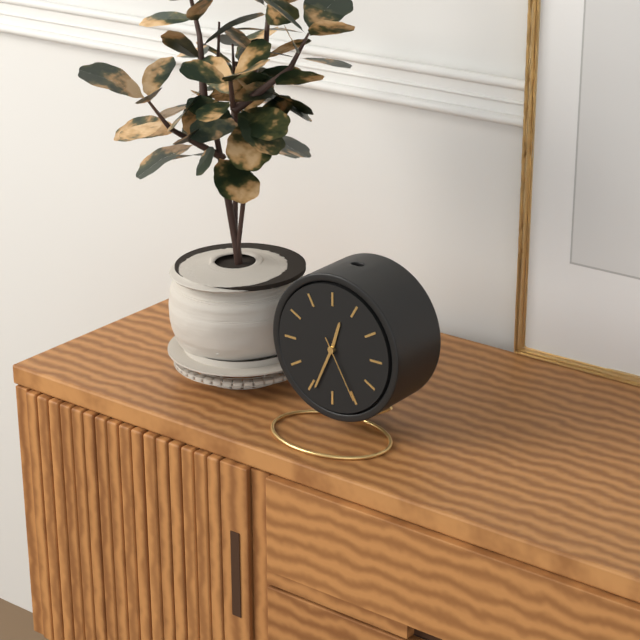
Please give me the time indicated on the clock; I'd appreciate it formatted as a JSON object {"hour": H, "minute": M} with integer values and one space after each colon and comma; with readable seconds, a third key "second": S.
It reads {"hour": 12, "minute": 34, "second": 25}
